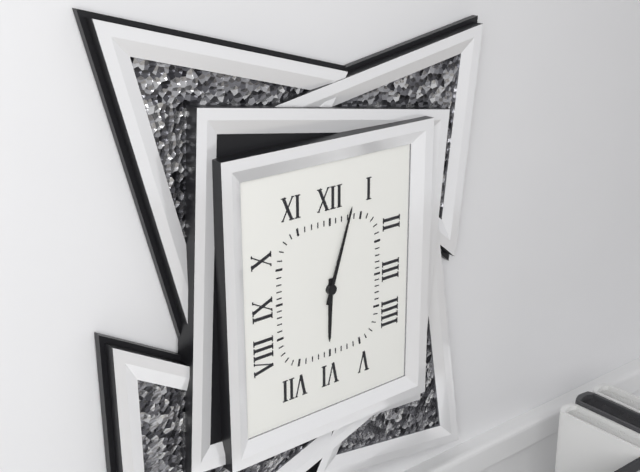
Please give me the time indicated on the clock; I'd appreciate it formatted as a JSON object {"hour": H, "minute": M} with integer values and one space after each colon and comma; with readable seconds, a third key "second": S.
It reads {"hour": 6, "minute": 3}
